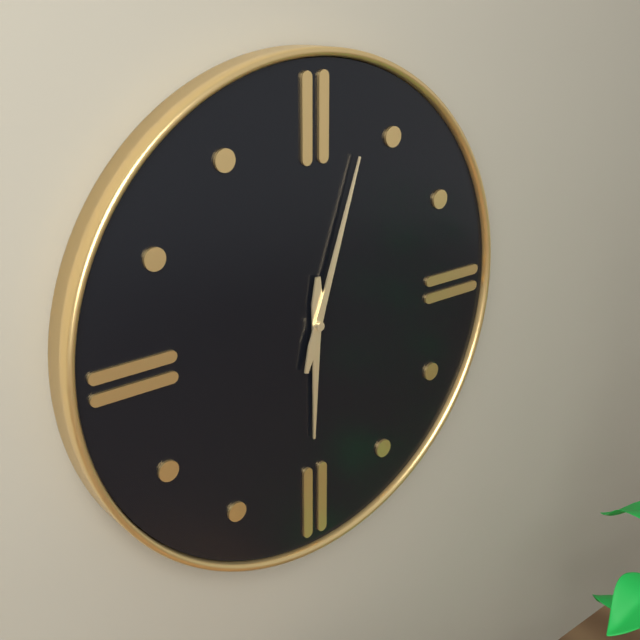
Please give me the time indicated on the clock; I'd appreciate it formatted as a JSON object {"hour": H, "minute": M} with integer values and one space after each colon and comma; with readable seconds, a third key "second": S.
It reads {"hour": 6, "minute": 3}
